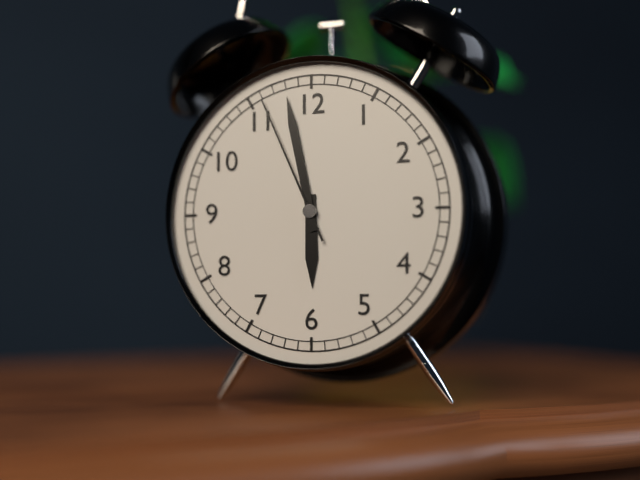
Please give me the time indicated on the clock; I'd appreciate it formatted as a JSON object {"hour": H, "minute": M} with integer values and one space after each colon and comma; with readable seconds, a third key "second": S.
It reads {"hour": 5, "minute": 58, "second": 56}
